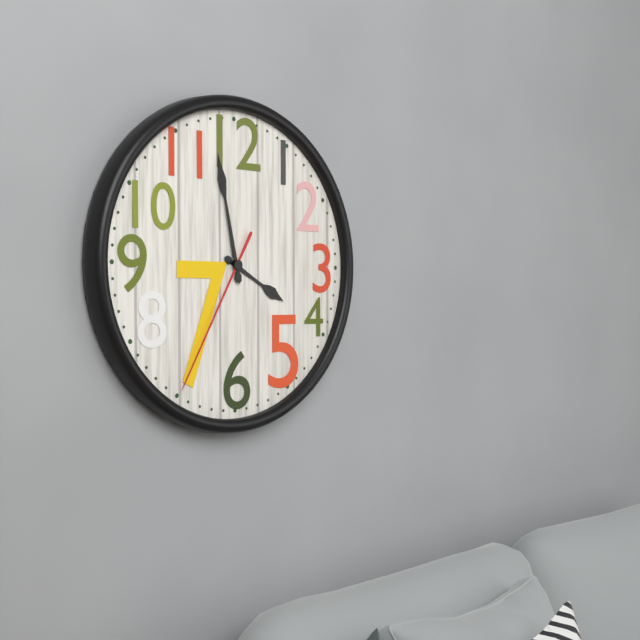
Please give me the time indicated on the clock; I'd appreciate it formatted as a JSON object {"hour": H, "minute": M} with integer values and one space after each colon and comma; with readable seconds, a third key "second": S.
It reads {"hour": 3, "minute": 58, "second": 35}
